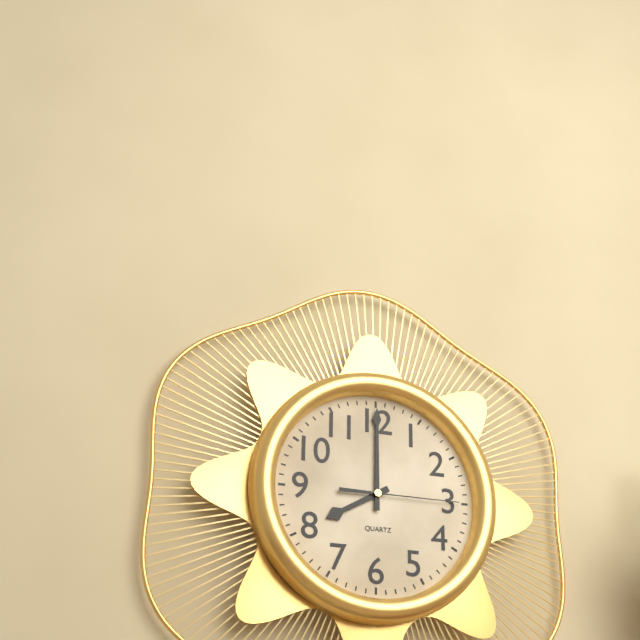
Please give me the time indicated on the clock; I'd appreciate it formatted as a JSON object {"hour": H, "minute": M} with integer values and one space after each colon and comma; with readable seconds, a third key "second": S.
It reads {"hour": 8, "minute": 0, "second": 15}
